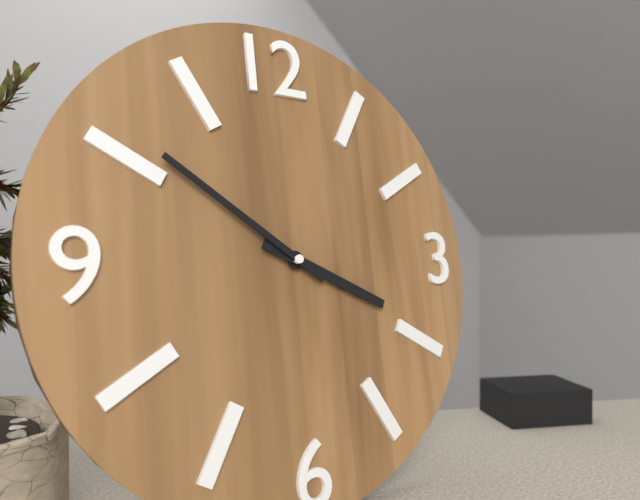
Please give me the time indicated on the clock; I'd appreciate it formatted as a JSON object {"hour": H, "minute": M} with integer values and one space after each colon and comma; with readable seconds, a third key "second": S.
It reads {"hour": 3, "minute": 51}
